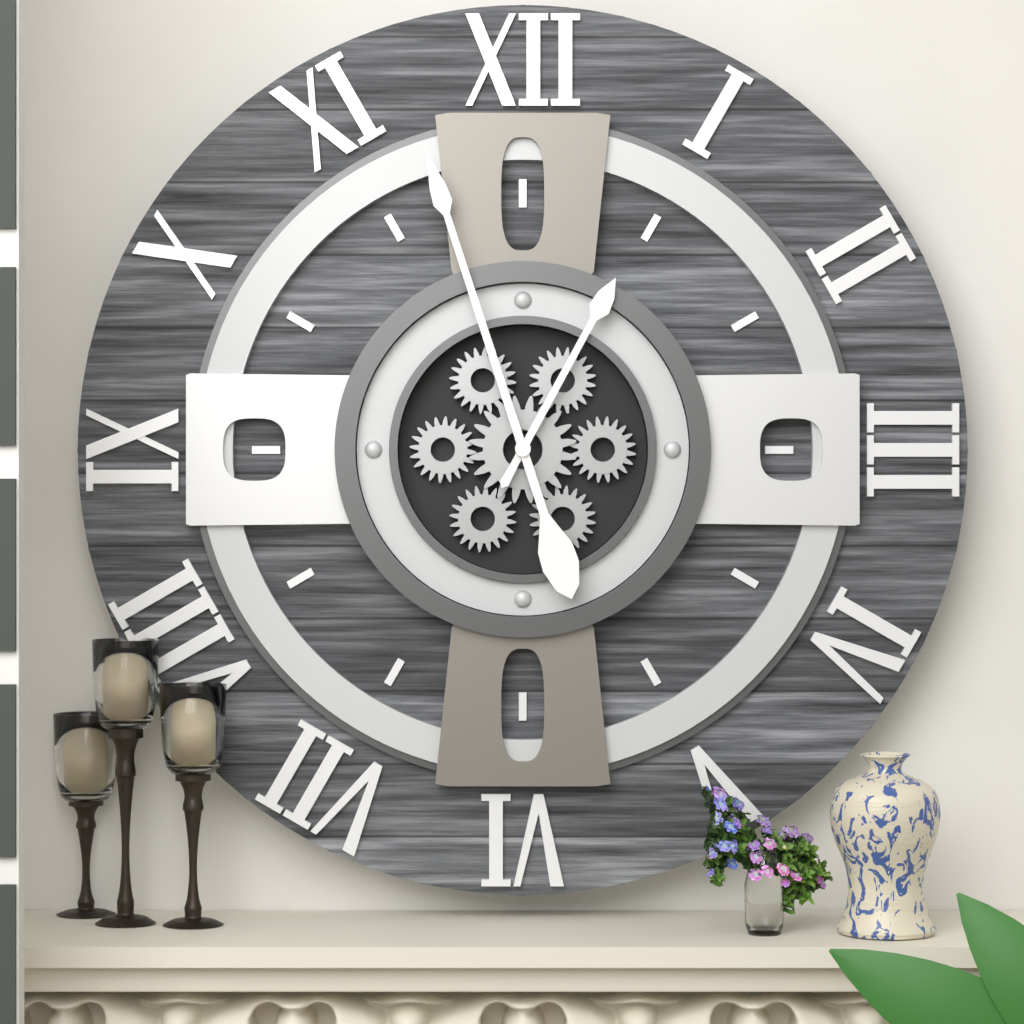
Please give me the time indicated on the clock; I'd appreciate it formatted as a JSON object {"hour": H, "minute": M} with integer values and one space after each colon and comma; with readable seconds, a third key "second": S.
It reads {"hour": 12, "minute": 57}
